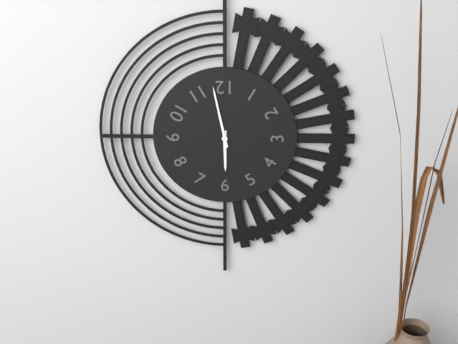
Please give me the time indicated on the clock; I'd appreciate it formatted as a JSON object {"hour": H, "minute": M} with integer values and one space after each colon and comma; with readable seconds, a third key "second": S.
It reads {"hour": 5, "minute": 58}
